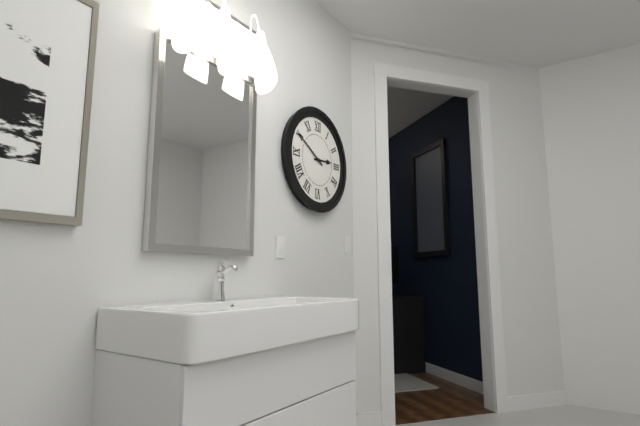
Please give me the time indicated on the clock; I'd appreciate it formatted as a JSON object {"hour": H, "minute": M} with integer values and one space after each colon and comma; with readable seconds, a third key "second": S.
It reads {"hour": 2, "minute": 50}
